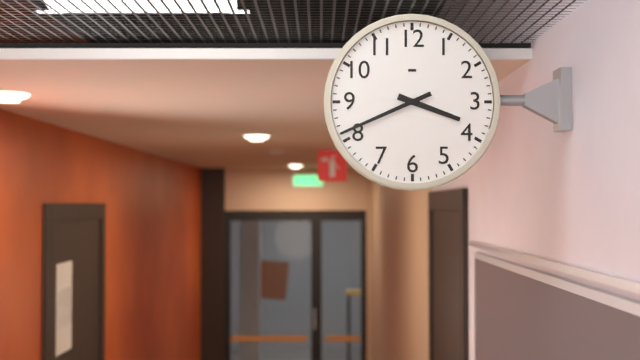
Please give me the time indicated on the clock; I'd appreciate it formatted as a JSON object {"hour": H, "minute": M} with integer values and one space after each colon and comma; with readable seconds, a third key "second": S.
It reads {"hour": 3, "minute": 41}
